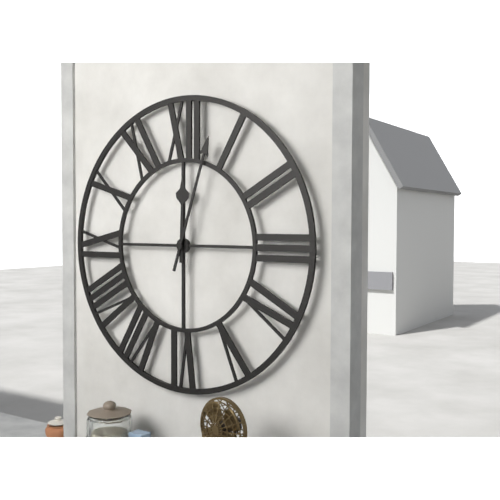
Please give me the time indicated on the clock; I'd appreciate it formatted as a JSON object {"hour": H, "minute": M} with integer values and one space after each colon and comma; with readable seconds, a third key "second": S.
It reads {"hour": 12, "minute": 3}
